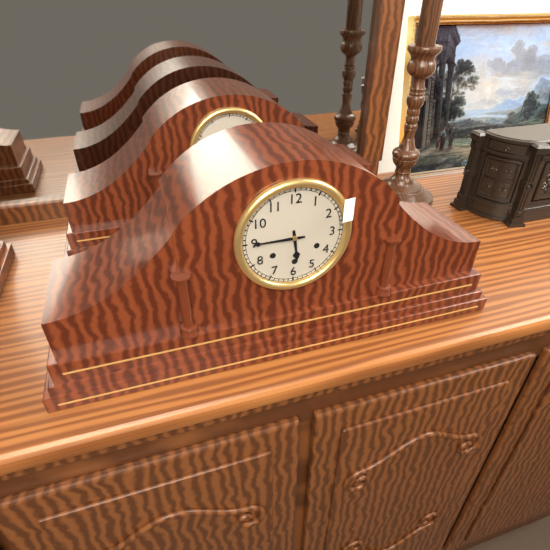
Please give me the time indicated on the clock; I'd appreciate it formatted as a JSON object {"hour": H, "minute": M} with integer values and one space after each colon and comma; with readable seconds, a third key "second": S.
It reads {"hour": 5, "minute": 45}
